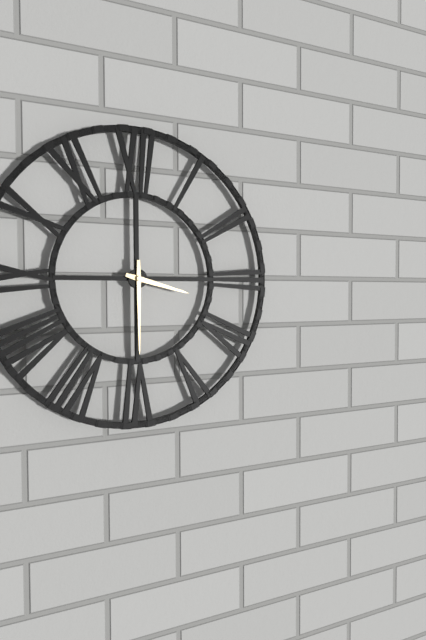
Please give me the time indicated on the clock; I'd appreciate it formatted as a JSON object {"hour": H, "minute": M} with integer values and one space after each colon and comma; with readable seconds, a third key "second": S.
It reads {"hour": 3, "minute": 30}
